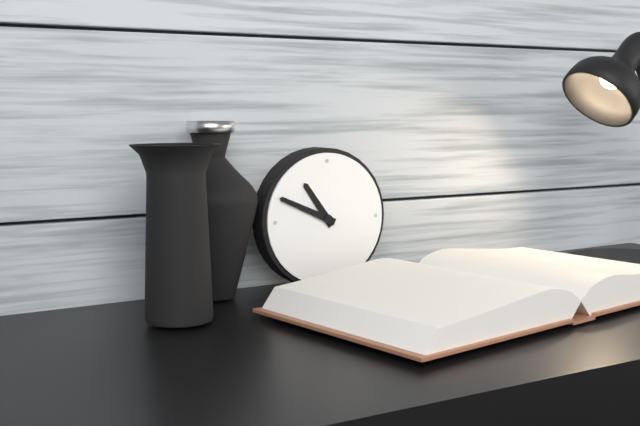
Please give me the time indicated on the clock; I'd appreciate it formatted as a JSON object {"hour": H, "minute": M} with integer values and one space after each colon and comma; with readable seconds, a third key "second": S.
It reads {"hour": 10, "minute": 49}
